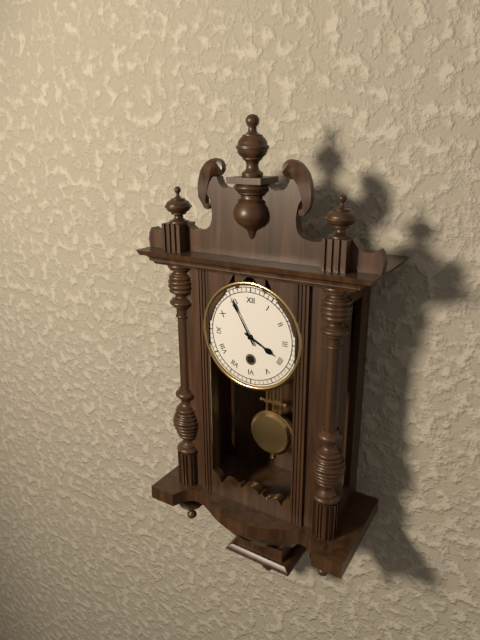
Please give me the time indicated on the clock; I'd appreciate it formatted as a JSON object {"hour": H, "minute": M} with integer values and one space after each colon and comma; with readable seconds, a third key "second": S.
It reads {"hour": 3, "minute": 55}
